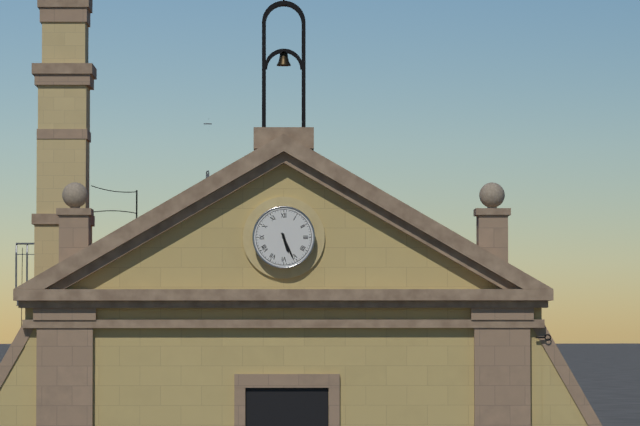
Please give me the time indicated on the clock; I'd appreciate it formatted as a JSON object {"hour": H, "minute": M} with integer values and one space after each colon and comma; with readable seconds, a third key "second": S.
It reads {"hour": 5, "minute": 26}
